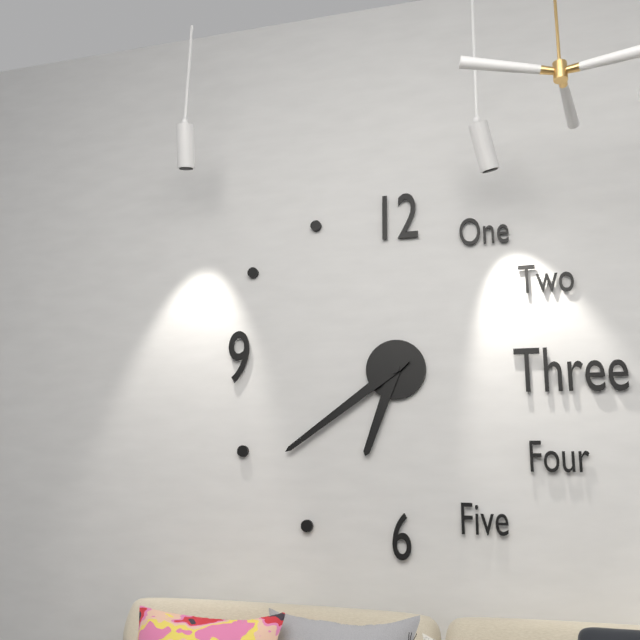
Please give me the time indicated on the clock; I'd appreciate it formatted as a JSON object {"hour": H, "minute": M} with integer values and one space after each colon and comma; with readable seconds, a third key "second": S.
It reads {"hour": 6, "minute": 39}
